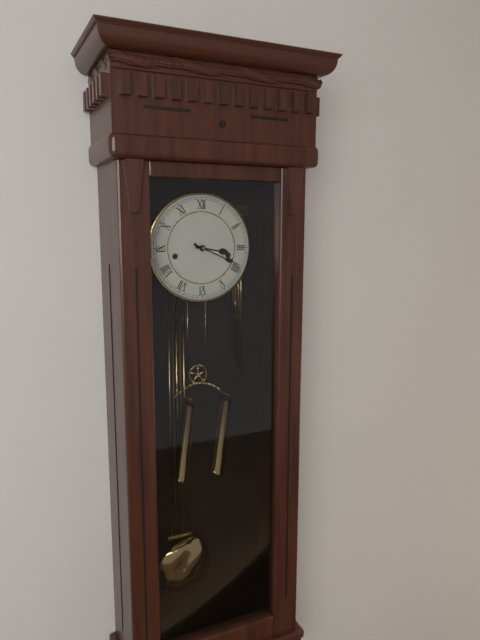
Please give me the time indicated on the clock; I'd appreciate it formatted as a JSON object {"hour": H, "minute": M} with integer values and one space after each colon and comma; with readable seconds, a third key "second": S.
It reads {"hour": 3, "minute": 19}
